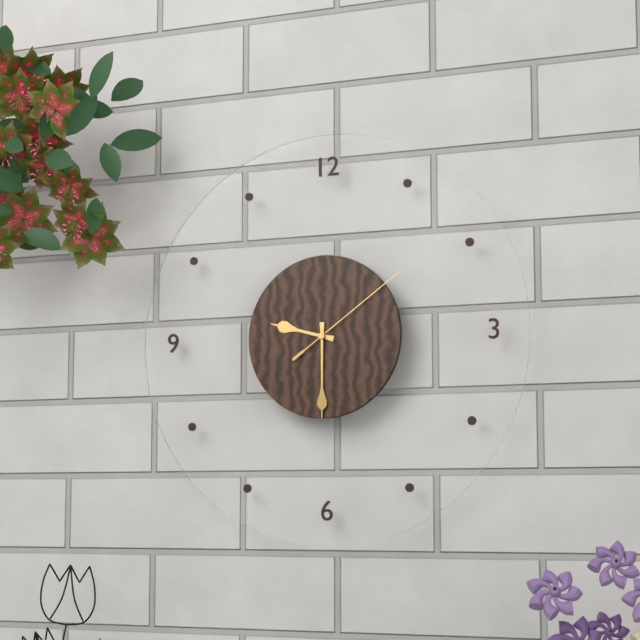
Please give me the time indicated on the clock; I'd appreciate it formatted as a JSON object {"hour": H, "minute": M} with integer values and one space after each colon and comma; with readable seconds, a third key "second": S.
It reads {"hour": 9, "minute": 30, "second": 9}
